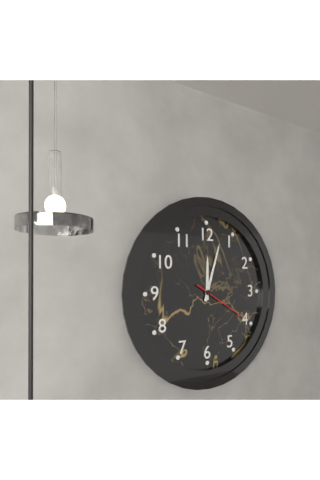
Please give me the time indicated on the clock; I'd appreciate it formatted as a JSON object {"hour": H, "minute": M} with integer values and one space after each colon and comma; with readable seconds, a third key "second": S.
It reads {"hour": 12, "minute": 3, "second": 20}
